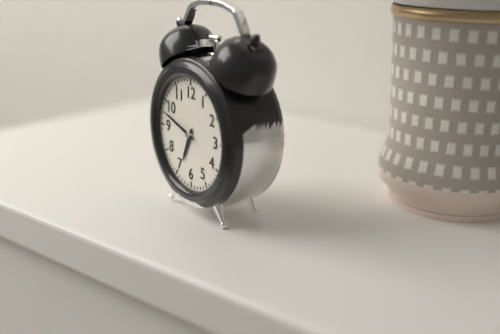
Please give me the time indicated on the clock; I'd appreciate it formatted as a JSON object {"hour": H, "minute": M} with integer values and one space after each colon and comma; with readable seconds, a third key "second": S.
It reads {"hour": 6, "minute": 48}
